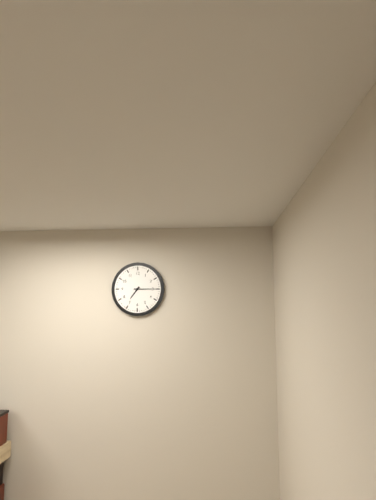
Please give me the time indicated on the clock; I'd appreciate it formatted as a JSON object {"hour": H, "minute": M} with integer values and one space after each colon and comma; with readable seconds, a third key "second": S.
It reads {"hour": 7, "minute": 15}
